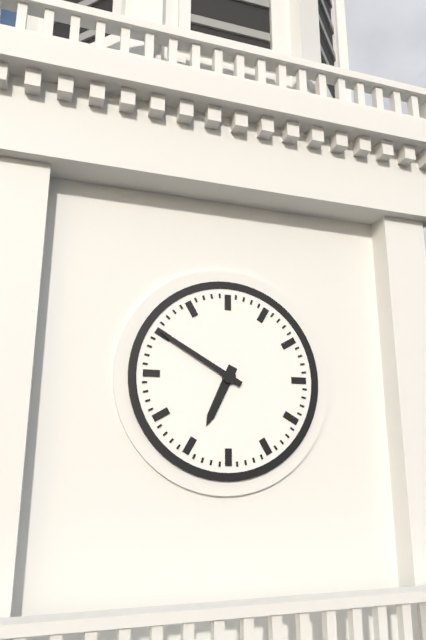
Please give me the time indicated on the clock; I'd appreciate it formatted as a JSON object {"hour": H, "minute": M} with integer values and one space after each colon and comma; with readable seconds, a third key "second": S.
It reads {"hour": 6, "minute": 50}
